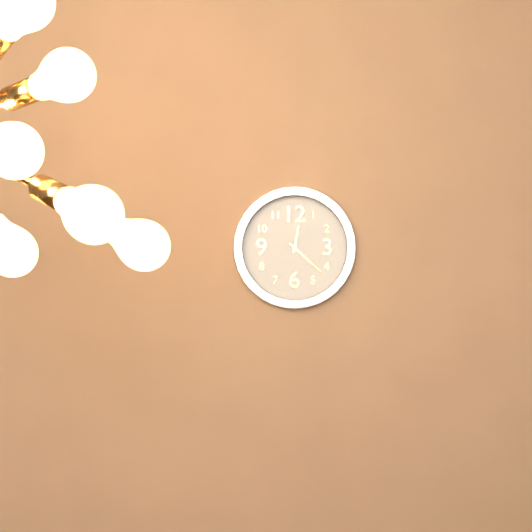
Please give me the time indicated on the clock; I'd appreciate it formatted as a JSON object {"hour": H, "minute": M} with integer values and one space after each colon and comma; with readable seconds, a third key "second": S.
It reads {"hour": 12, "minute": 22}
